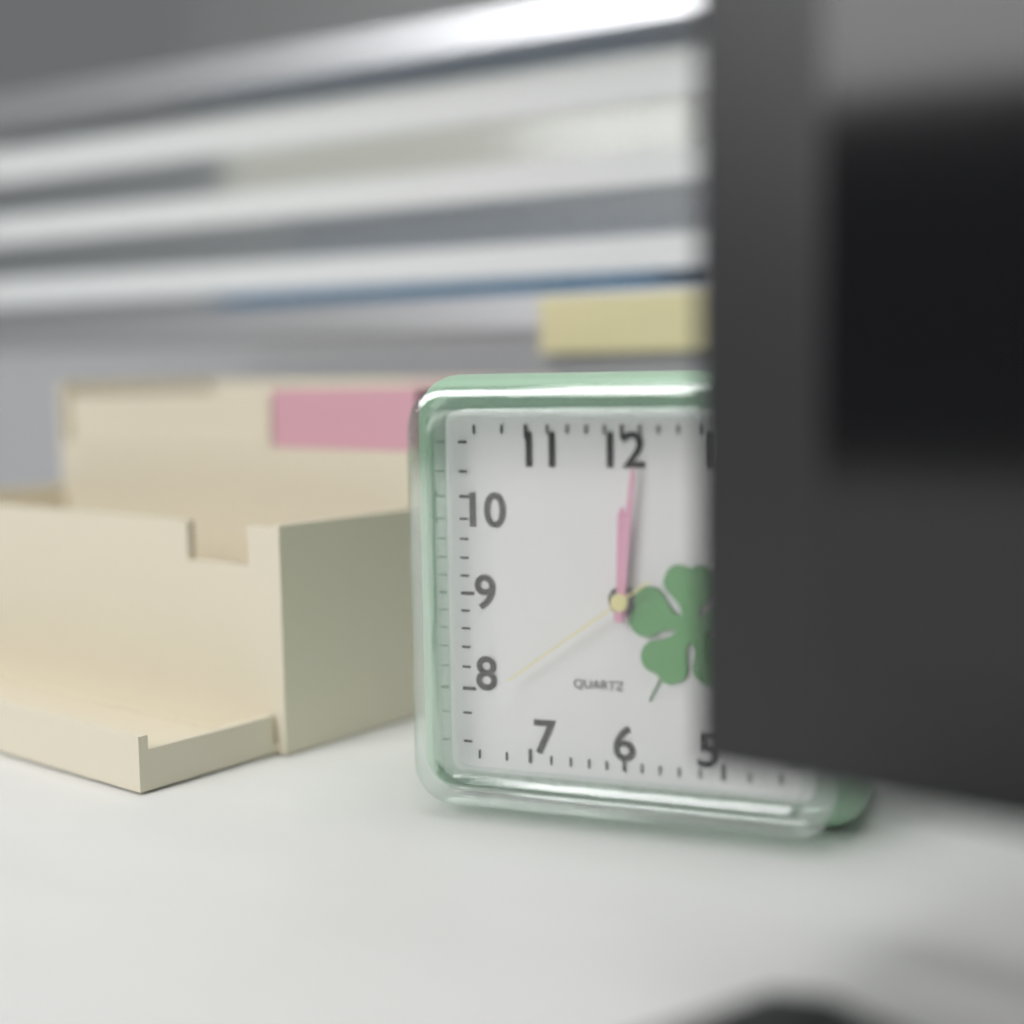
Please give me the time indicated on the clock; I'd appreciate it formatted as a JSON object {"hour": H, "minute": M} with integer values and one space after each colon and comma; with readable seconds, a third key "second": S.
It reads {"hour": 12, "minute": 1, "second": 39}
